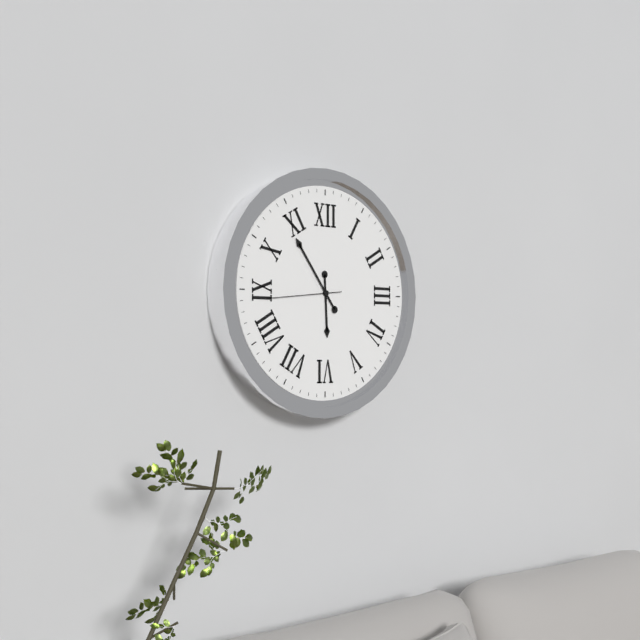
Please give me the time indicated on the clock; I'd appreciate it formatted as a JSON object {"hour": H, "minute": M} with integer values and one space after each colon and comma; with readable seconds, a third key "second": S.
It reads {"hour": 5, "minute": 54, "second": 44}
